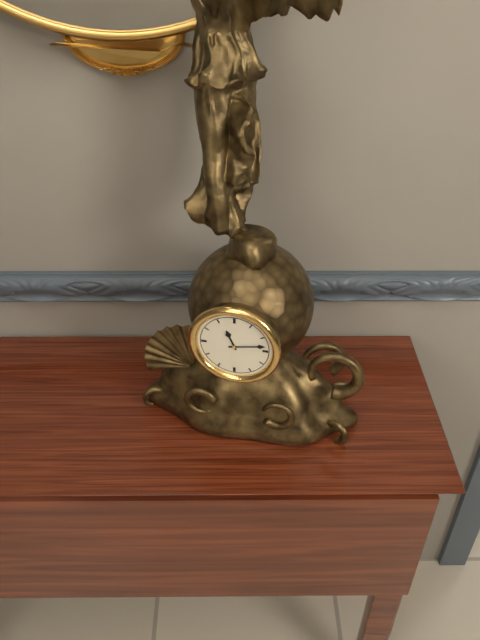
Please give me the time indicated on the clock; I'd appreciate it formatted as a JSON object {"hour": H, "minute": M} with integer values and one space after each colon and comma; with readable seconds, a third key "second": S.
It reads {"hour": 11, "minute": 13}
